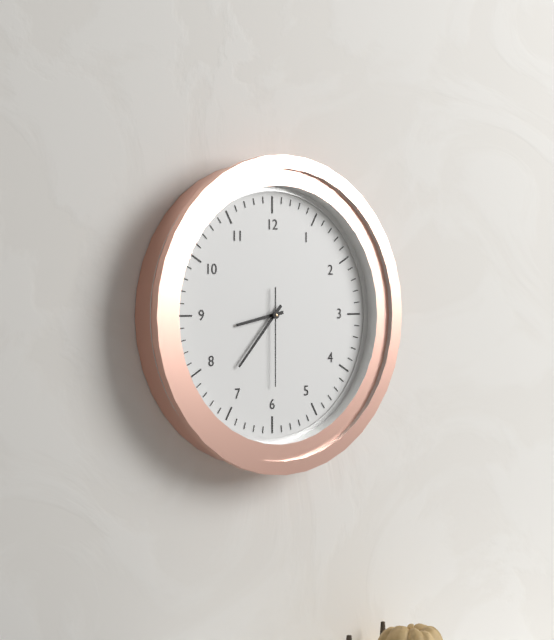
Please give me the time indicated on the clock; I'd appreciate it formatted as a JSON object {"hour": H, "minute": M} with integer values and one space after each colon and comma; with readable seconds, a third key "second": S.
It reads {"hour": 8, "minute": 37, "second": 30}
